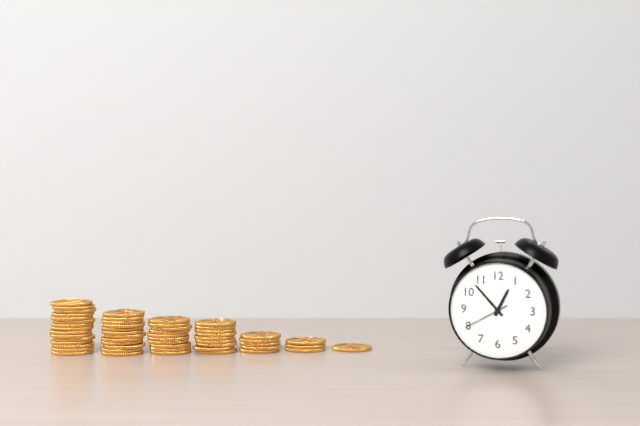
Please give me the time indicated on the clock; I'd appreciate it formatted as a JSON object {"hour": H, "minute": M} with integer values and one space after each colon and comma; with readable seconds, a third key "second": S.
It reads {"hour": 12, "minute": 53}
